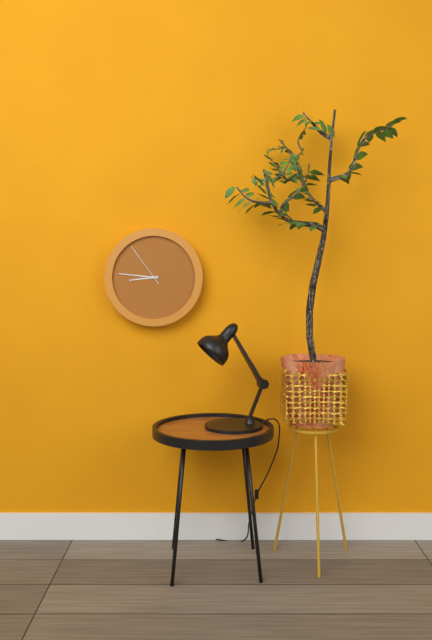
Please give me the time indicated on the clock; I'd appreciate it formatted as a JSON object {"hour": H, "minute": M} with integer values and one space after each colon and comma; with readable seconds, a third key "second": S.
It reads {"hour": 8, "minute": 46}
